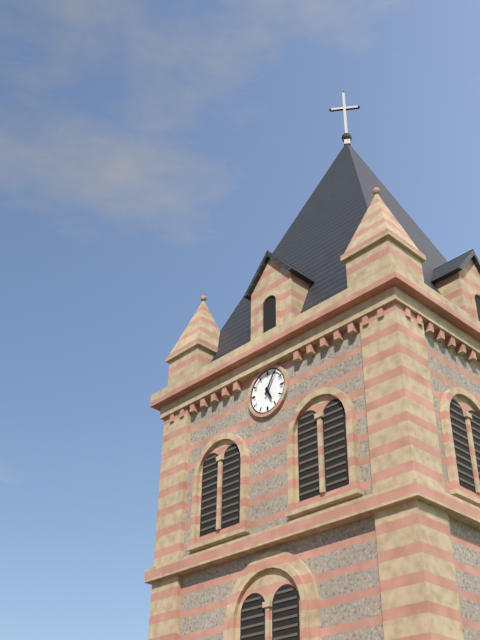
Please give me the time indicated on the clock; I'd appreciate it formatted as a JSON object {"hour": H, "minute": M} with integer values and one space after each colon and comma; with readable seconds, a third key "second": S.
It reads {"hour": 5, "minute": 5}
